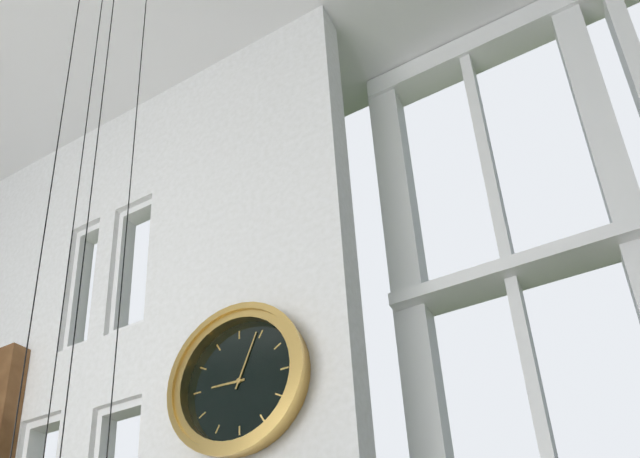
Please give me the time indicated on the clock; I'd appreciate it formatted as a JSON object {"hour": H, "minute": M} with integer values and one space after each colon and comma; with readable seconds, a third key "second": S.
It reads {"hour": 9, "minute": 4}
